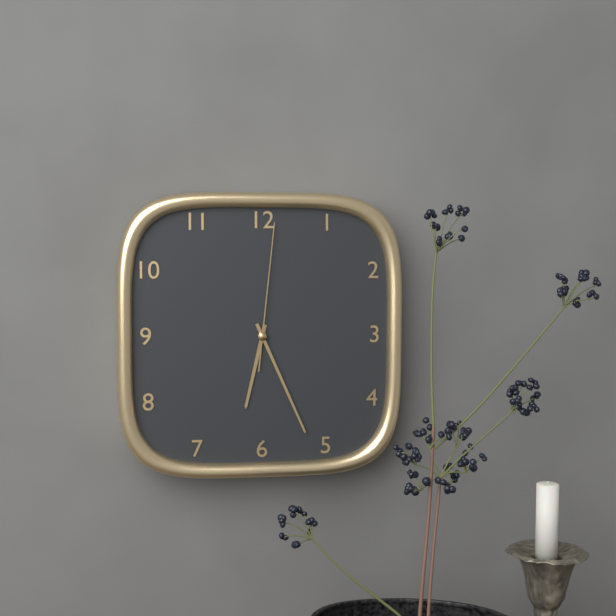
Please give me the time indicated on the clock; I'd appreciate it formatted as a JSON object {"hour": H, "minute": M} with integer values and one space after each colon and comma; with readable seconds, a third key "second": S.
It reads {"hour": 6, "minute": 26, "second": 1}
